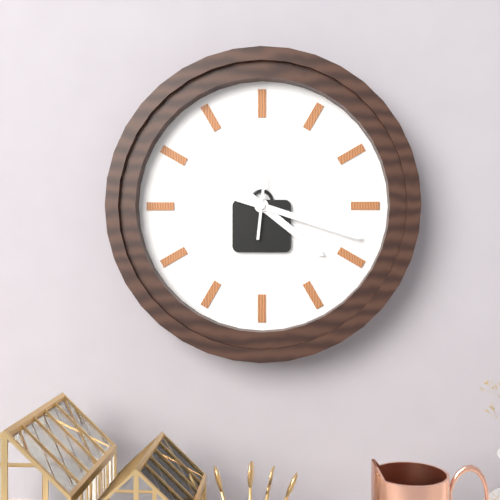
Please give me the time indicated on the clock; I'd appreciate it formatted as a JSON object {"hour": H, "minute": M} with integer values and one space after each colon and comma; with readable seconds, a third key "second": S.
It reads {"hour": 4, "minute": 18, "second": 1}
